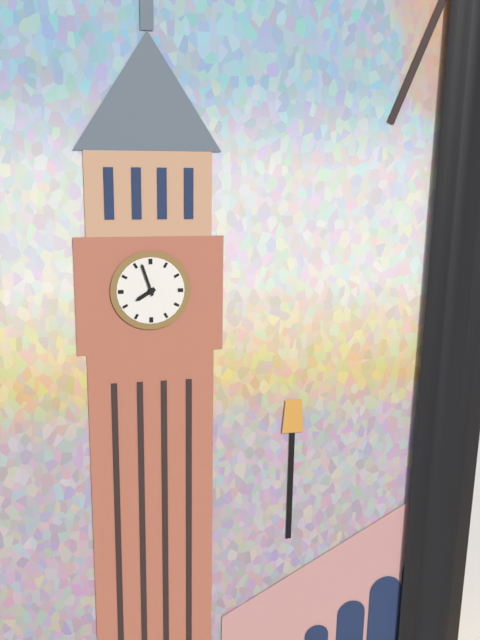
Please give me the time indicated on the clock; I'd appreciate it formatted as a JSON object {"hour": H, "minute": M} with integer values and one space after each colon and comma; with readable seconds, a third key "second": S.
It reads {"hour": 7, "minute": 57}
